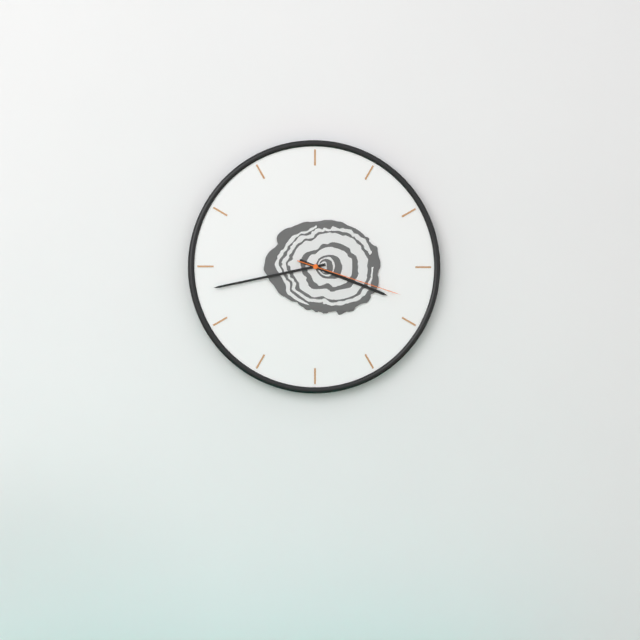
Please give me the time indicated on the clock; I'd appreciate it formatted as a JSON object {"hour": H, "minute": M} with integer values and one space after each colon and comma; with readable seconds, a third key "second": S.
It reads {"hour": 3, "minute": 43, "second": 18}
